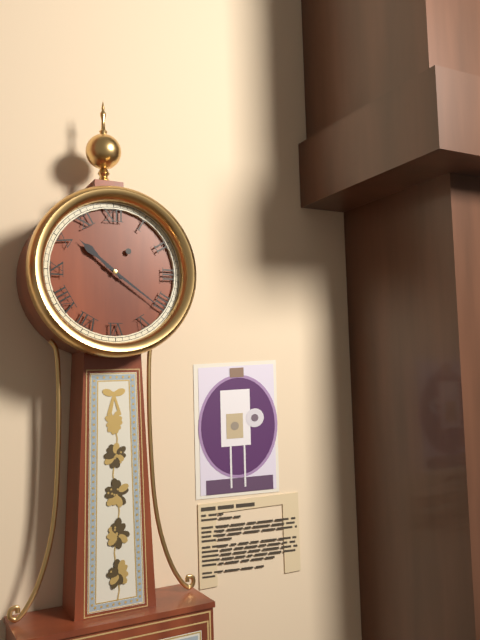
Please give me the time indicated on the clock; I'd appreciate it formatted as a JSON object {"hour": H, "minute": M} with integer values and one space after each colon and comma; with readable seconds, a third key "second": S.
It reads {"hour": 10, "minute": 21}
